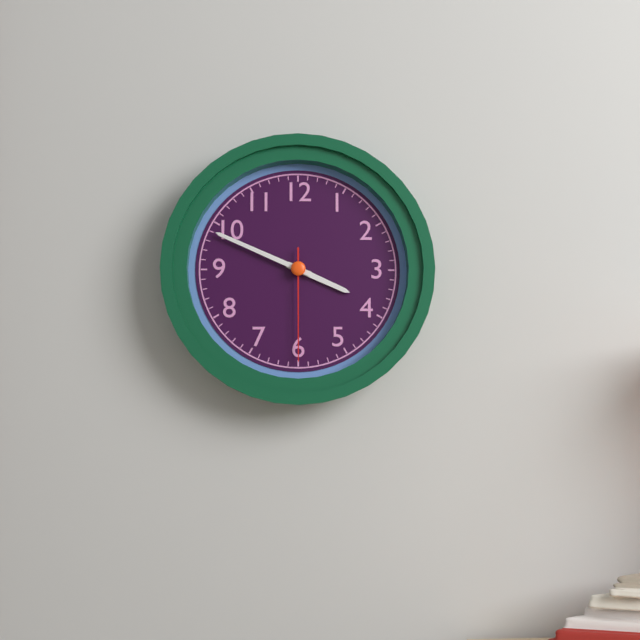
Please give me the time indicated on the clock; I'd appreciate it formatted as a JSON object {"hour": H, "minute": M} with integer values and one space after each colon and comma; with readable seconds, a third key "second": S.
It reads {"hour": 3, "minute": 49, "second": 30}
